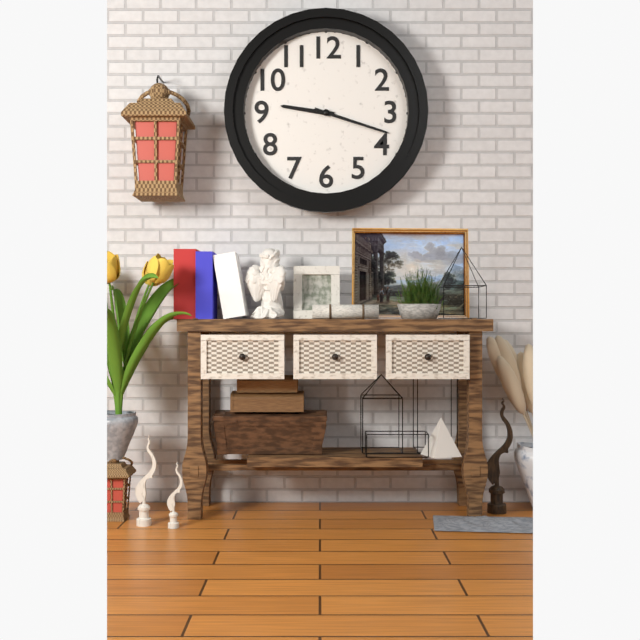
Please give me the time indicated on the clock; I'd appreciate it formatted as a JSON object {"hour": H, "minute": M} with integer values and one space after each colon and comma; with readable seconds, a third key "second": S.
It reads {"hour": 9, "minute": 18}
